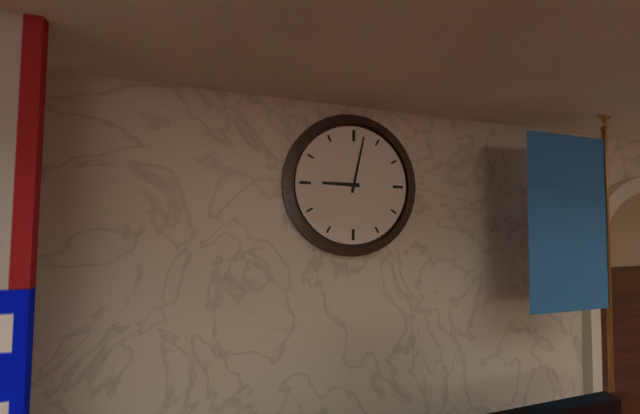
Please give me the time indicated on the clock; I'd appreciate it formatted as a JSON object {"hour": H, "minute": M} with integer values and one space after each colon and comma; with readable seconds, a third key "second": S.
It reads {"hour": 9, "minute": 2}
